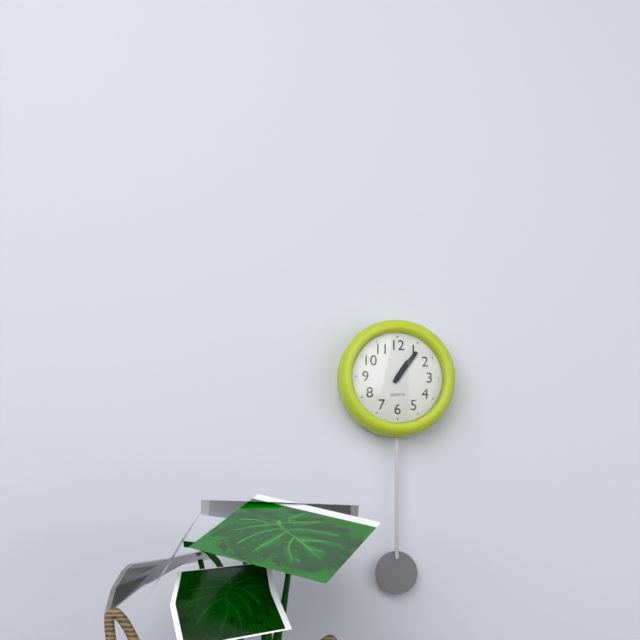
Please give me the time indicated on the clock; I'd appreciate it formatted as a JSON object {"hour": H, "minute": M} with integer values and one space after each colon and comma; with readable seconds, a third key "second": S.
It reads {"hour": 1, "minute": 6}
